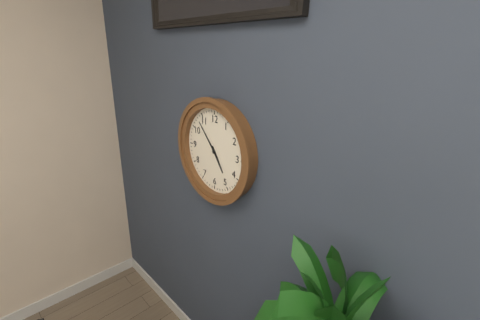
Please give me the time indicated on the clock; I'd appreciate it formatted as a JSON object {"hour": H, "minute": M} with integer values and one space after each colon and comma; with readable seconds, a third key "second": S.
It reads {"hour": 4, "minute": 53}
